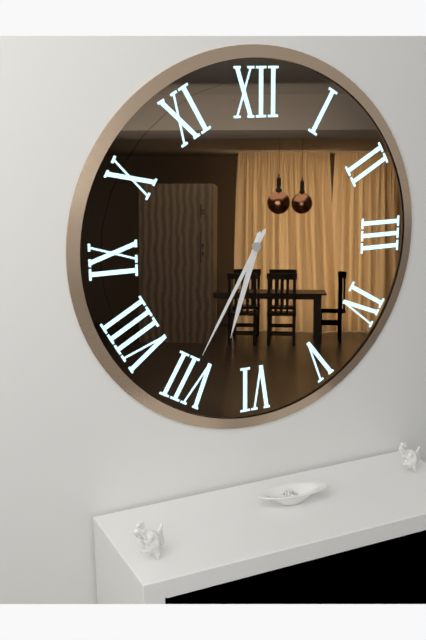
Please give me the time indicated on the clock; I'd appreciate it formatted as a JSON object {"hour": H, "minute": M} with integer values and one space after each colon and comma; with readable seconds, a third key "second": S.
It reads {"hour": 6, "minute": 35}
